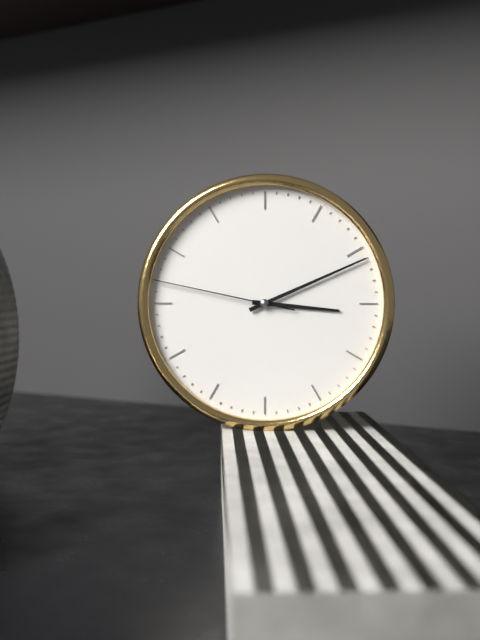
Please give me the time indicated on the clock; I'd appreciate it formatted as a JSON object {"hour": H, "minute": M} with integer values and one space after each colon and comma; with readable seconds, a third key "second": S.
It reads {"hour": 3, "minute": 11, "second": 47}
